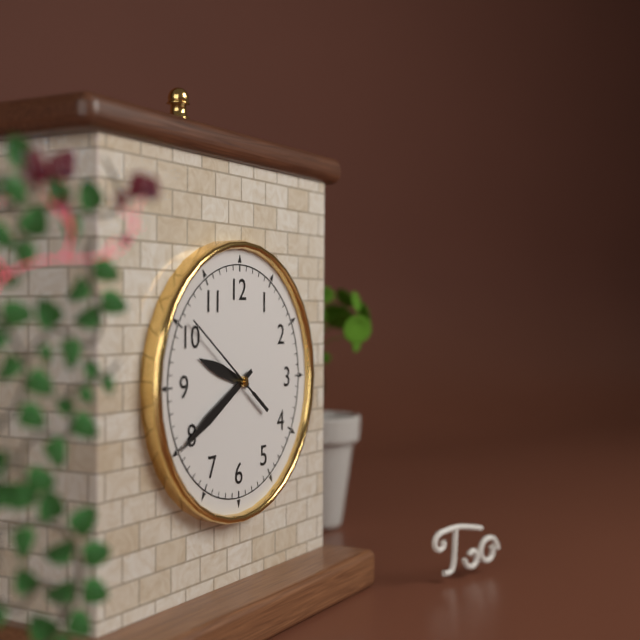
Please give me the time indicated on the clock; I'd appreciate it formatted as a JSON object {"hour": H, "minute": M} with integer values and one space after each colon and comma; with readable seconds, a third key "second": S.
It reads {"hour": 9, "minute": 40, "second": 51}
